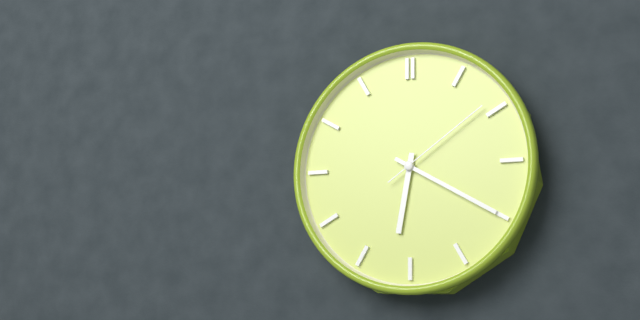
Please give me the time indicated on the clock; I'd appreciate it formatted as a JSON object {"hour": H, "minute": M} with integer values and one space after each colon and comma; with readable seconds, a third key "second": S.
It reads {"hour": 6, "minute": 20, "second": 9}
